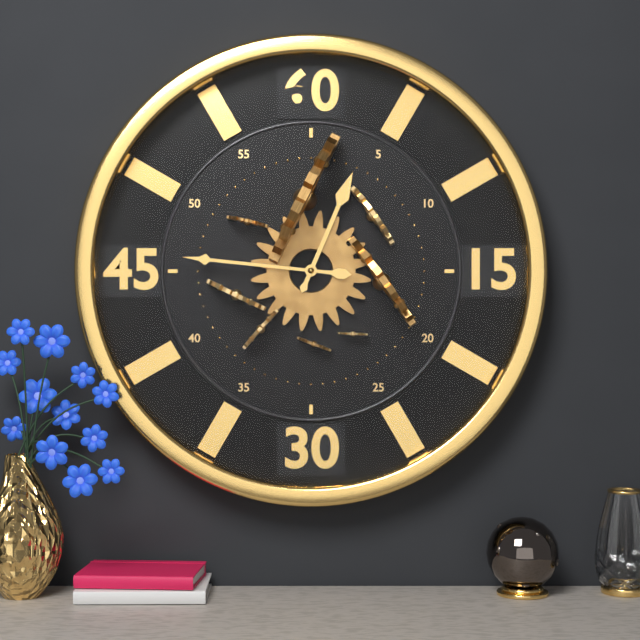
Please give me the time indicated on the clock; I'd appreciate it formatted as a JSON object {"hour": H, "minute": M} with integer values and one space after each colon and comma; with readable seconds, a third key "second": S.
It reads {"hour": 12, "minute": 46}
